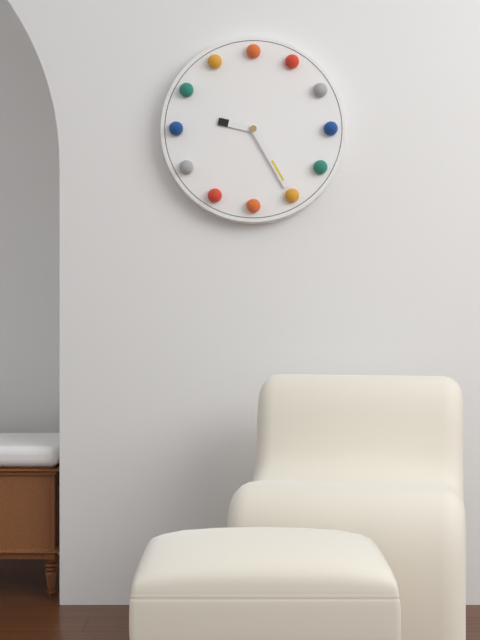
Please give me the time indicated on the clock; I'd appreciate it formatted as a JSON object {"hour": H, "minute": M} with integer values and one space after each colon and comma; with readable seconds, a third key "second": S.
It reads {"hour": 9, "minute": 25}
